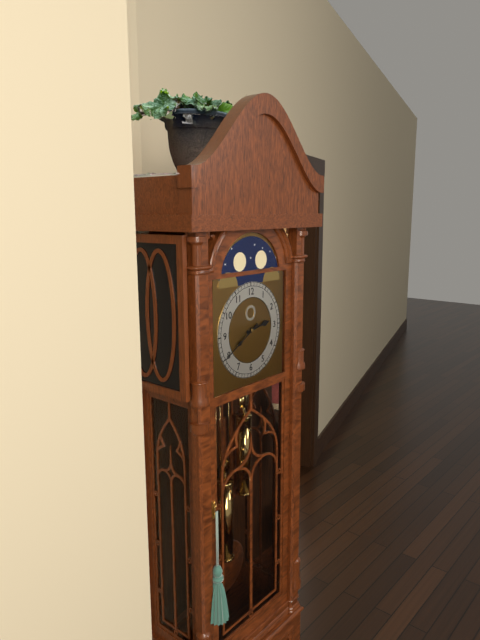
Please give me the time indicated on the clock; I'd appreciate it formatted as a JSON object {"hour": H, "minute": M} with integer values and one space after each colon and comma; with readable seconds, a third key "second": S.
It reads {"hour": 2, "minute": 40}
